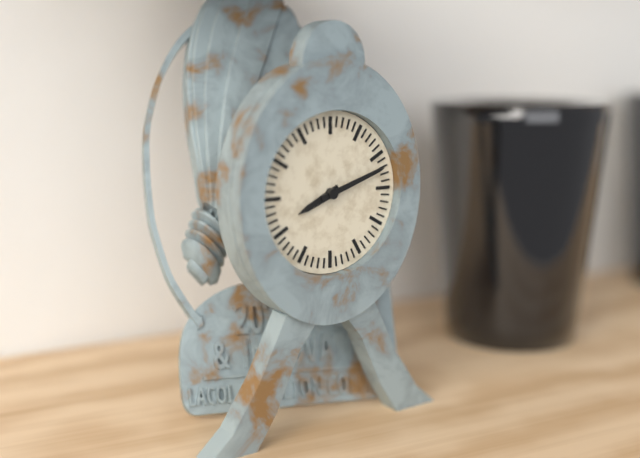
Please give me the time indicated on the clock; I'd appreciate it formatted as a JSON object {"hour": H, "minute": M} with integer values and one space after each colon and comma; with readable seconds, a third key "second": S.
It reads {"hour": 8, "minute": 12}
